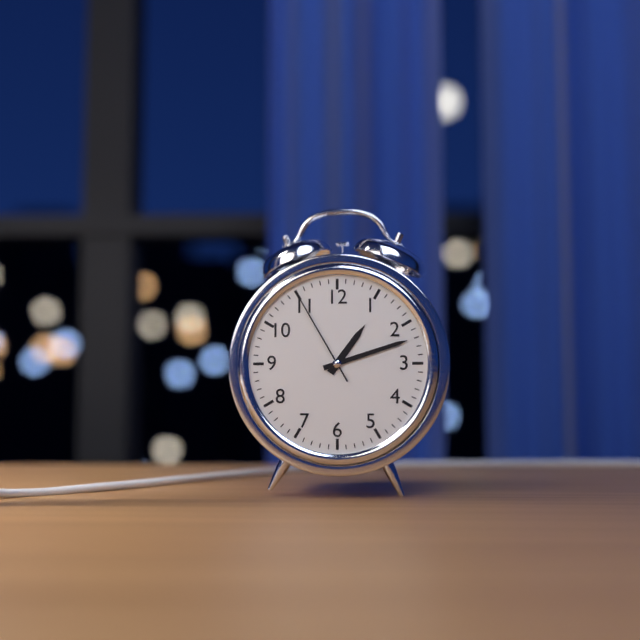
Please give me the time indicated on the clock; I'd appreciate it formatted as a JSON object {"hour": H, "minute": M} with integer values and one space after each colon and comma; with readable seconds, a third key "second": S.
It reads {"hour": 1, "minute": 12, "second": 55}
